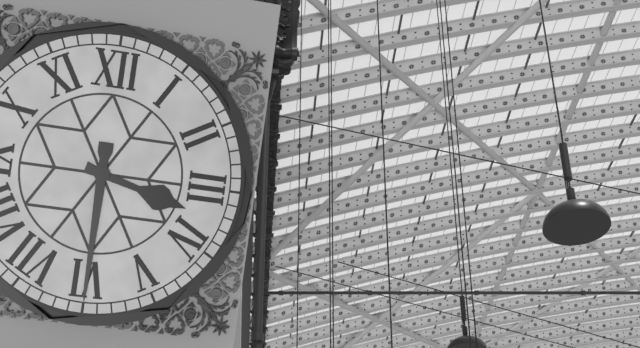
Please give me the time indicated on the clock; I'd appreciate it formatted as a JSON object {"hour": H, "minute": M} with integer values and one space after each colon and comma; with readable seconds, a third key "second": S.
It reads {"hour": 3, "minute": 30}
